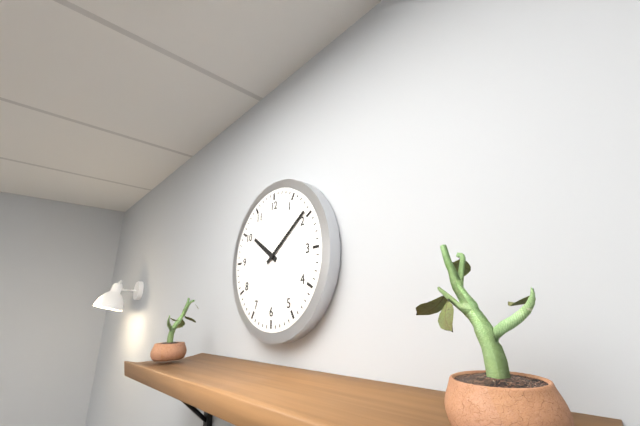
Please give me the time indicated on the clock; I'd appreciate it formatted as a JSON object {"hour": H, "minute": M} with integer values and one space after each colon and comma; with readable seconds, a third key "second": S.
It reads {"hour": 10, "minute": 9}
